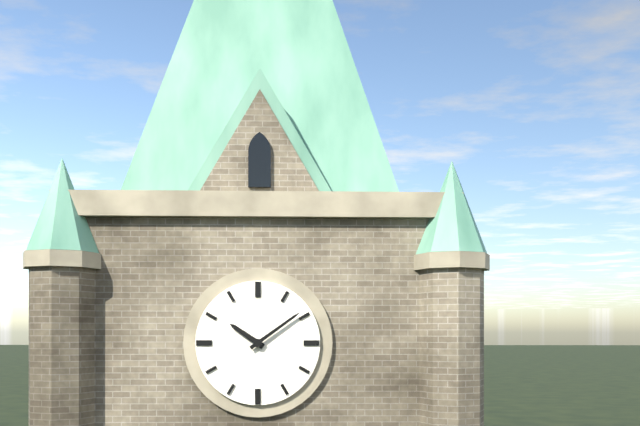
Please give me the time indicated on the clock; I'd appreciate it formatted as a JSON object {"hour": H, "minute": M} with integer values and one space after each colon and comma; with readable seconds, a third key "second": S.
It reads {"hour": 10, "minute": 9}
